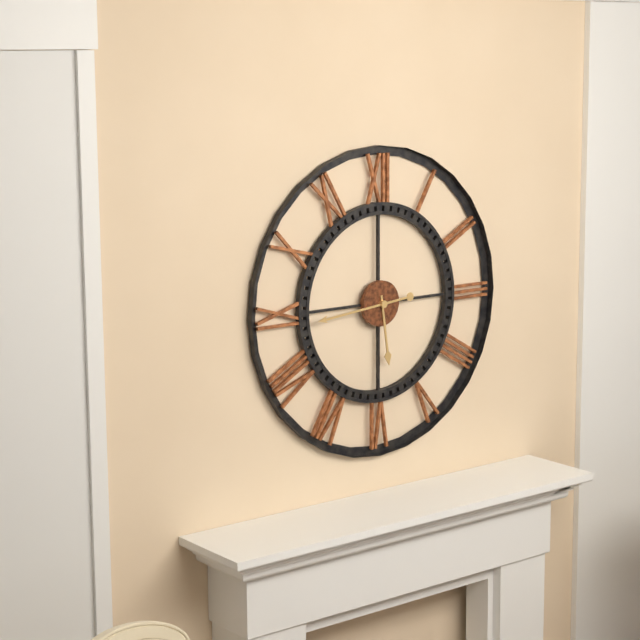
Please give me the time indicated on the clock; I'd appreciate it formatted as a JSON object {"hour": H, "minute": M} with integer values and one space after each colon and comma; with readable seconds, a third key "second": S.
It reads {"hour": 5, "minute": 44}
